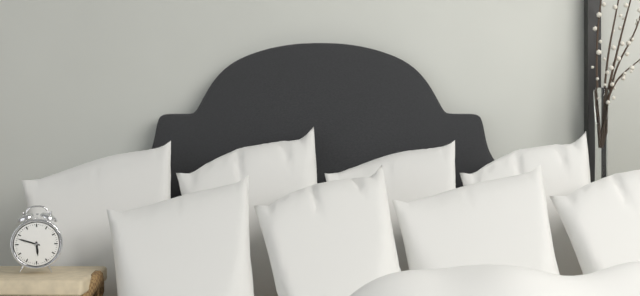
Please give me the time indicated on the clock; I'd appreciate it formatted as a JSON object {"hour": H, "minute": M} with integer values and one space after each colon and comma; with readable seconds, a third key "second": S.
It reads {"hour": 5, "minute": 48}
